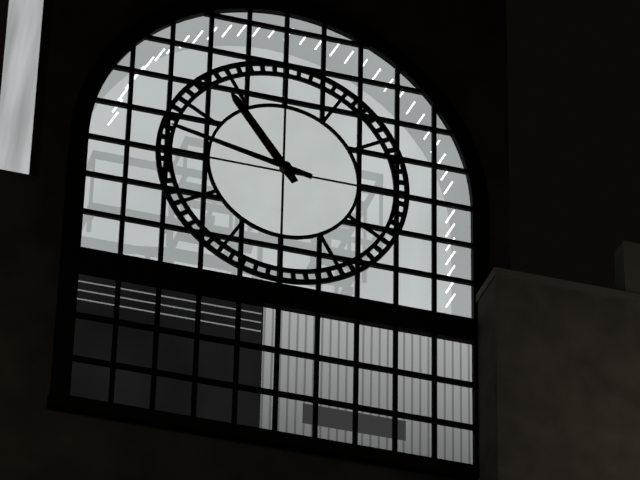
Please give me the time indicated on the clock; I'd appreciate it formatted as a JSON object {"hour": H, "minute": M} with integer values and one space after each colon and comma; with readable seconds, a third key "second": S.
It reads {"hour": 10, "minute": 47}
